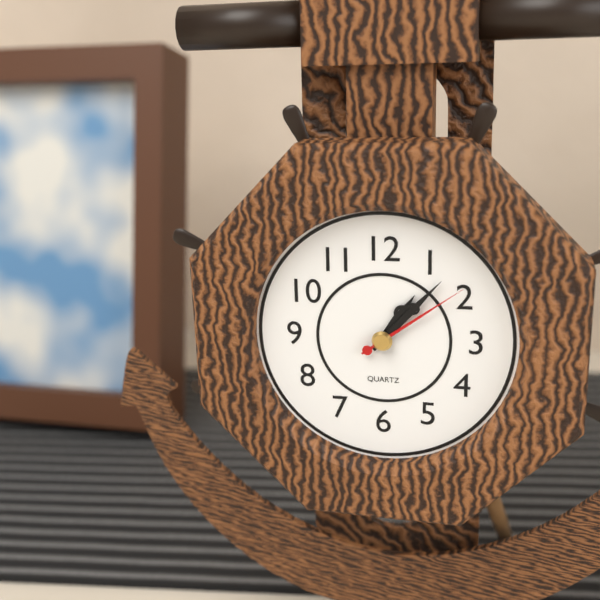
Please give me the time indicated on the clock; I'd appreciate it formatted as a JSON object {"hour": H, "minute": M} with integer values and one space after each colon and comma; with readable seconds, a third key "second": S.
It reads {"hour": 1, "minute": 7, "second": 9}
